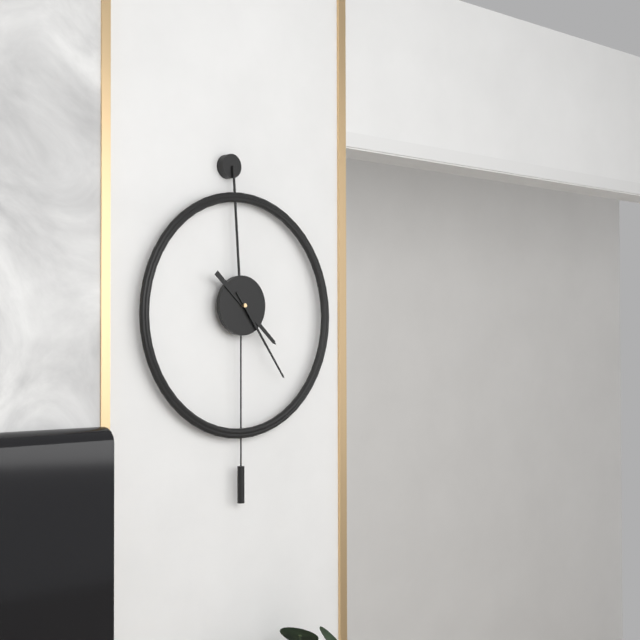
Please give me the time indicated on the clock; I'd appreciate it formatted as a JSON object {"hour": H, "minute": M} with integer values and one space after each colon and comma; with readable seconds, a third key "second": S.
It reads {"hour": 4, "minute": 24}
